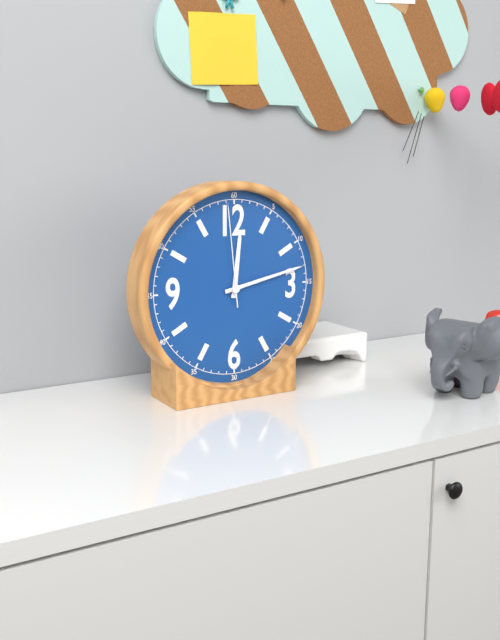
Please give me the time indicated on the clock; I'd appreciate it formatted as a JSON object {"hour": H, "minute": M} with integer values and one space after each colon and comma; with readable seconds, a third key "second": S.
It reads {"hour": 12, "minute": 13, "second": 59}
